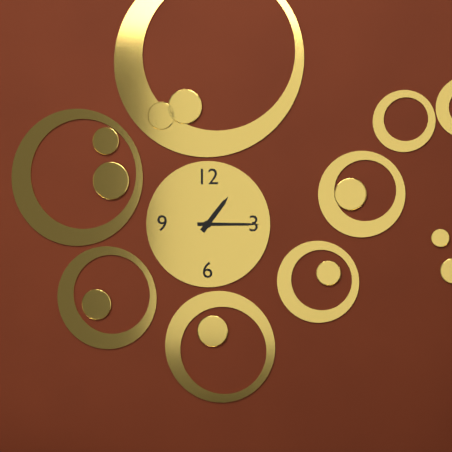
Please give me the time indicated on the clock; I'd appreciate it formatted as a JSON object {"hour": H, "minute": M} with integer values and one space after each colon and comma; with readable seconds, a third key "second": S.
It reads {"hour": 1, "minute": 15}
